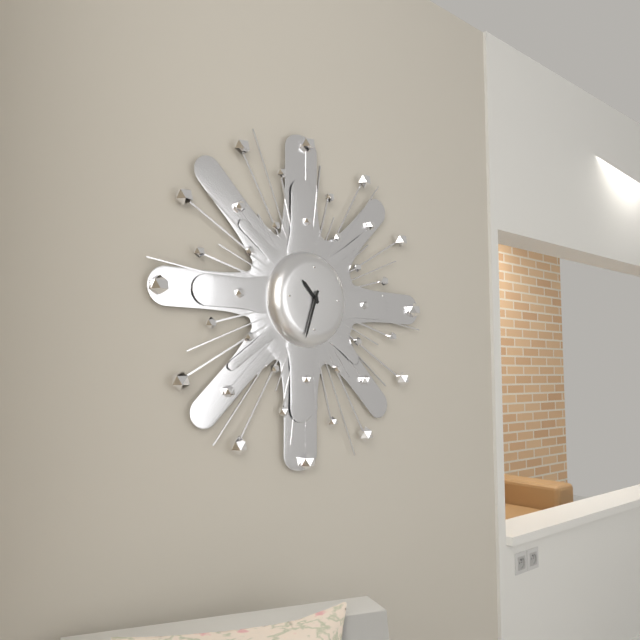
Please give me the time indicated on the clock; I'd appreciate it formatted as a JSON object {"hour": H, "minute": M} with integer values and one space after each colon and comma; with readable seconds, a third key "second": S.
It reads {"hour": 10, "minute": 33}
